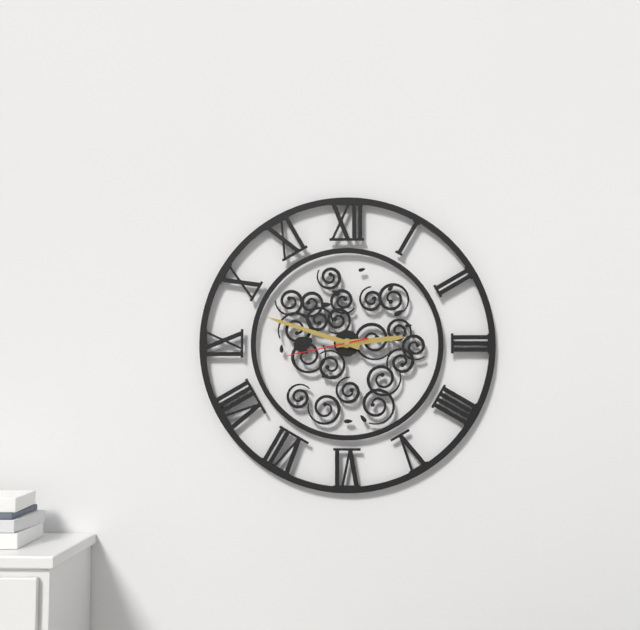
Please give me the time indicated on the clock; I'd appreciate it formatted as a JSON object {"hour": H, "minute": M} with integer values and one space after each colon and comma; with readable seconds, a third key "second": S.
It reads {"hour": 2, "minute": 48, "second": 43}
